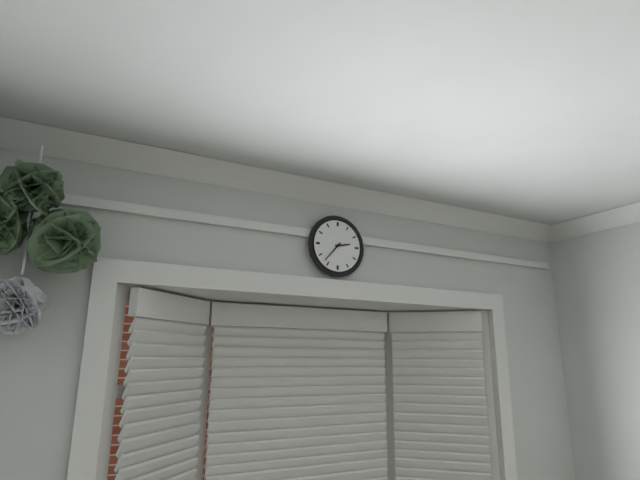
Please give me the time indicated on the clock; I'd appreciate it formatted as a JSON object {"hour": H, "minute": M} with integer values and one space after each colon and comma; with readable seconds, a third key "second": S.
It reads {"hour": 2, "minute": 37}
